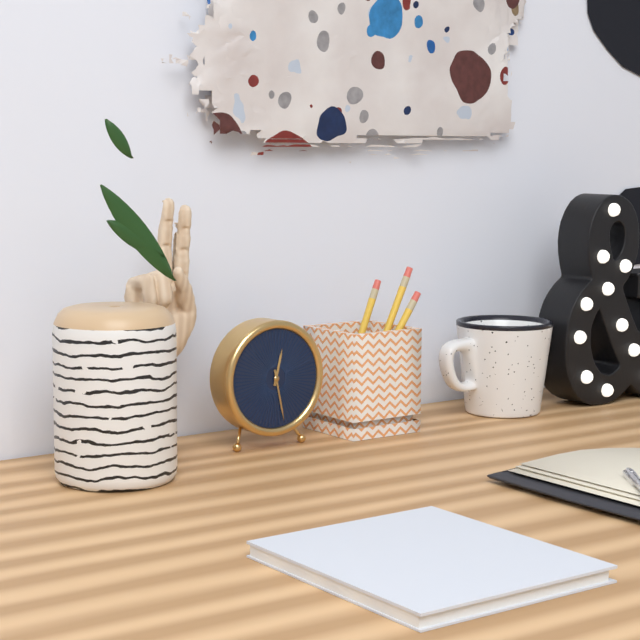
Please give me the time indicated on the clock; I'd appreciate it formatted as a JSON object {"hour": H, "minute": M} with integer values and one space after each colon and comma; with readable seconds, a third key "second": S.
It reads {"hour": 12, "minute": 28}
